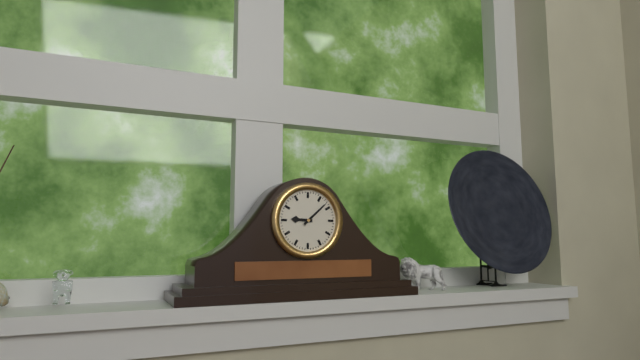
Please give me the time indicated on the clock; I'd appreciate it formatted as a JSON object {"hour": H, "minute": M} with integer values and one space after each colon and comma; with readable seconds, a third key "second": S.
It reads {"hour": 9, "minute": 8}
